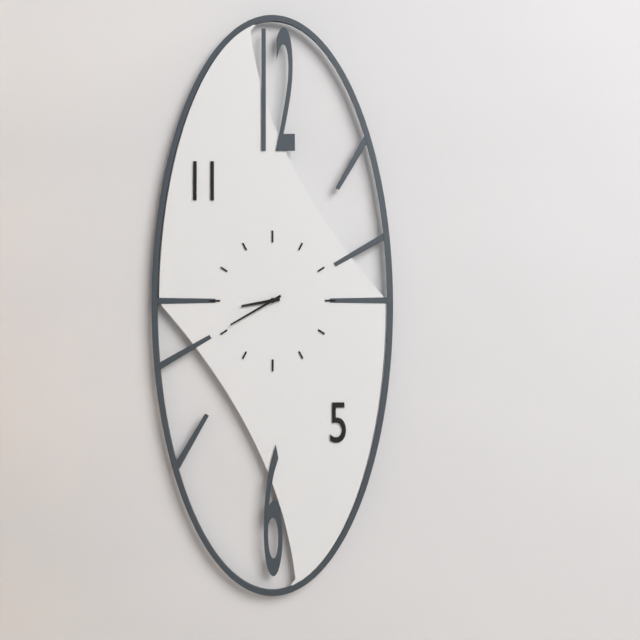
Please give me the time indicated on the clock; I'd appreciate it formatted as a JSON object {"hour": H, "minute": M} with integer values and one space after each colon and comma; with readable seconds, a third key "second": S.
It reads {"hour": 8, "minute": 40}
